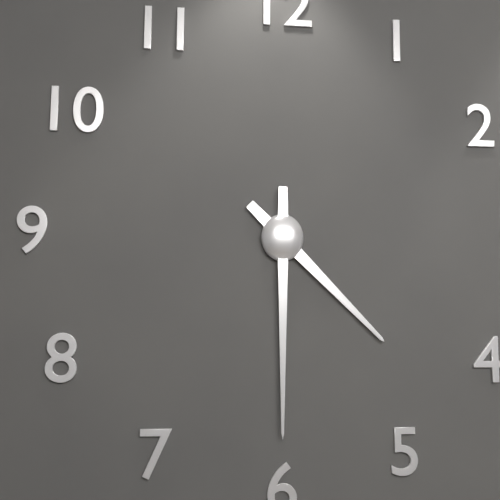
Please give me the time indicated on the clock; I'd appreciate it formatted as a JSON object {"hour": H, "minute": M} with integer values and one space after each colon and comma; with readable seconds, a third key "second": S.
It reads {"hour": 4, "minute": 30}
